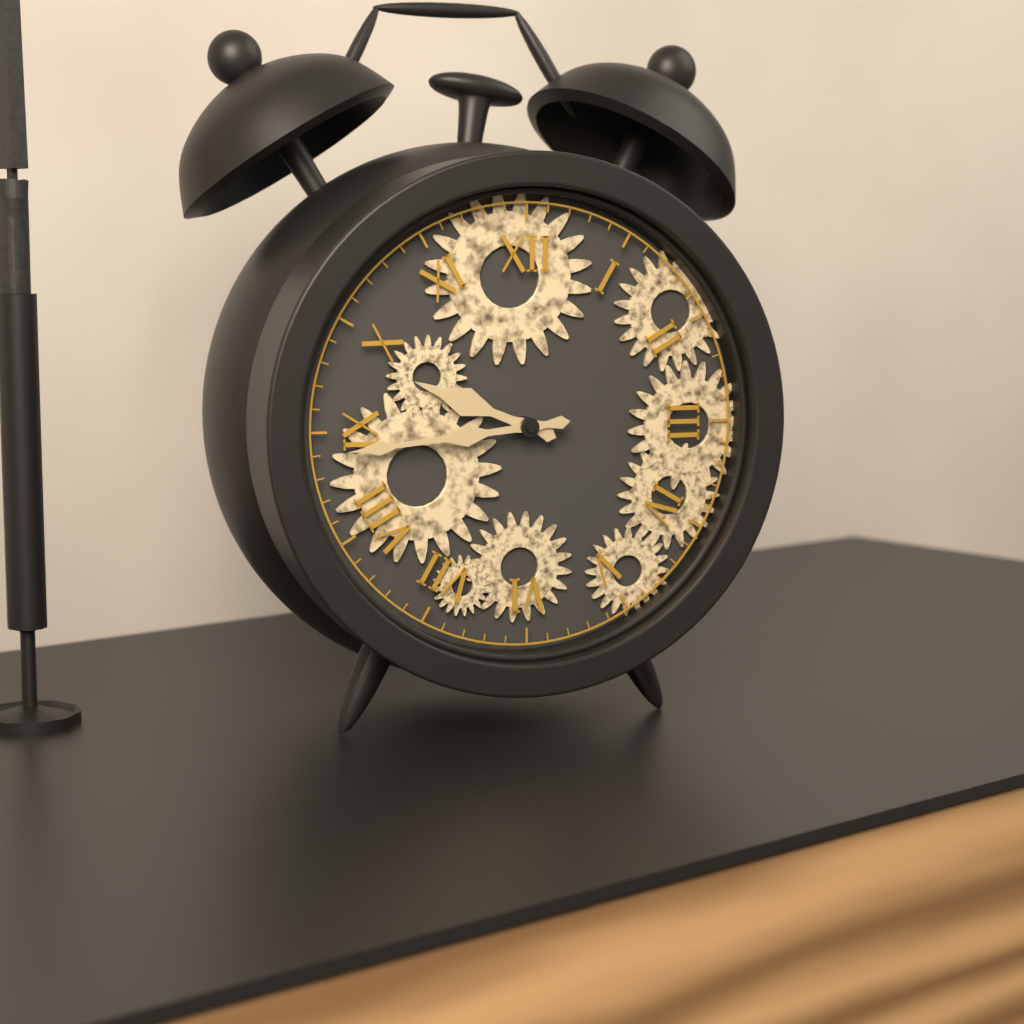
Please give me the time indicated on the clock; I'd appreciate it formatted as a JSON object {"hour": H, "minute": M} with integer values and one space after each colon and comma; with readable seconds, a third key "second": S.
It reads {"hour": 9, "minute": 44}
